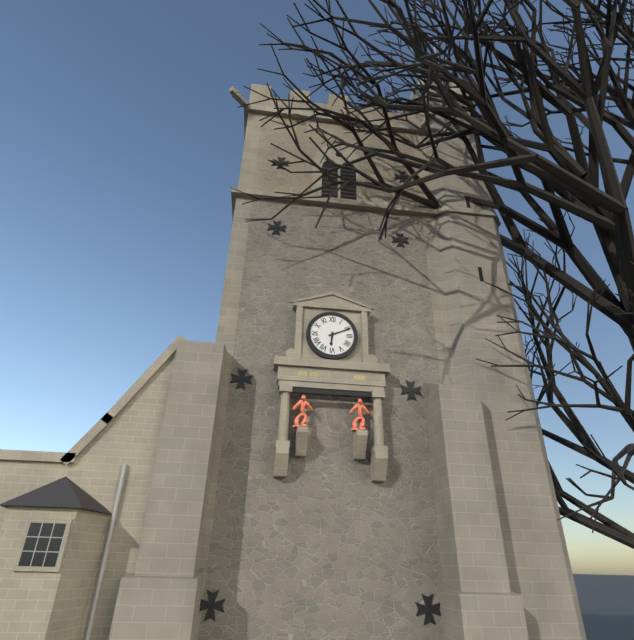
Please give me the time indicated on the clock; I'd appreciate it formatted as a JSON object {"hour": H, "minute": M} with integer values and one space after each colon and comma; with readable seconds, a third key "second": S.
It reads {"hour": 6, "minute": 11}
